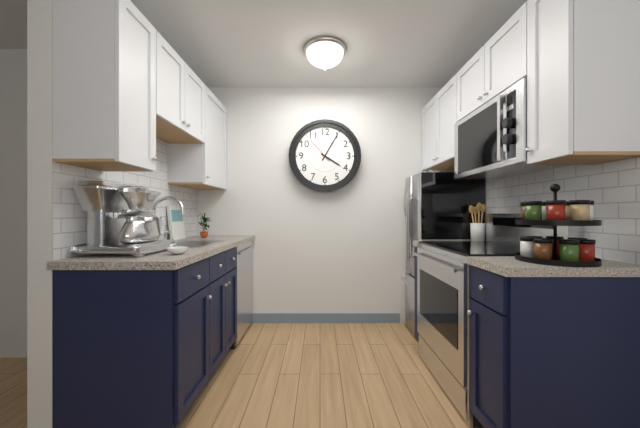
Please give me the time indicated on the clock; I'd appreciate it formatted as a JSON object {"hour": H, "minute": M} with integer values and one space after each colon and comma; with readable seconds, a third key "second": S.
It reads {"hour": 4, "minute": 5}
